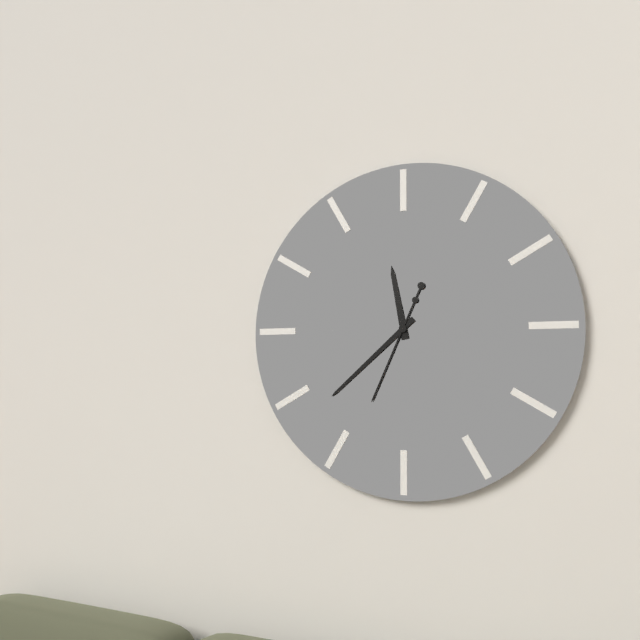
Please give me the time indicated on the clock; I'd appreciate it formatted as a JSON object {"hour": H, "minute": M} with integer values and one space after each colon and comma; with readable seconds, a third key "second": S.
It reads {"hour": 11, "minute": 38, "second": 34}
